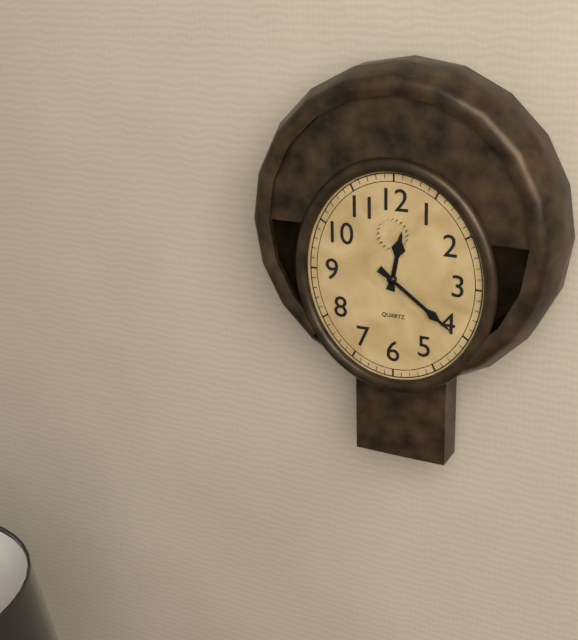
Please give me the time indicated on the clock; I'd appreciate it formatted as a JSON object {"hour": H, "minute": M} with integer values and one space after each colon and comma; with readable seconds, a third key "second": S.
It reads {"hour": 12, "minute": 21}
